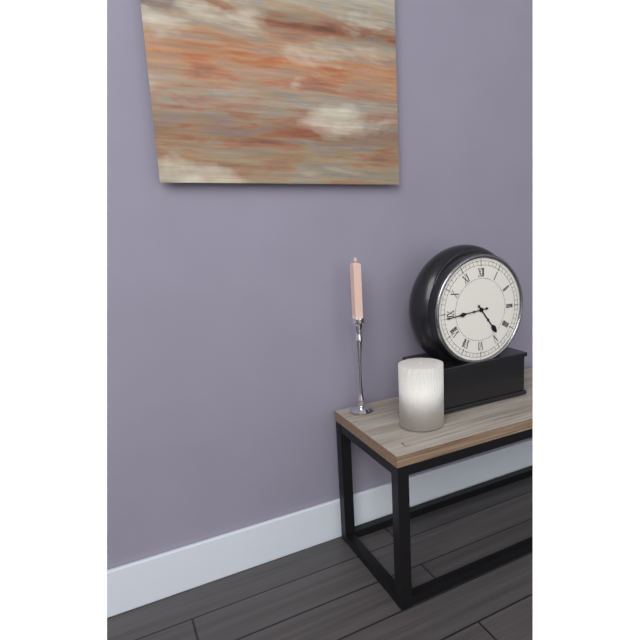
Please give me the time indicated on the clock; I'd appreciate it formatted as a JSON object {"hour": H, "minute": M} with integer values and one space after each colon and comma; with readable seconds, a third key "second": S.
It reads {"hour": 4, "minute": 44}
